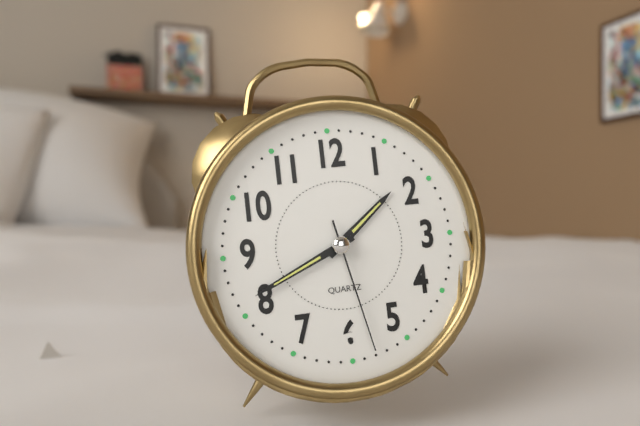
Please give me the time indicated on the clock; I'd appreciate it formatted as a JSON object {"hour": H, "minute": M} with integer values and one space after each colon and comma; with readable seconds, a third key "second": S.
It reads {"hour": 1, "minute": 41, "second": 28}
